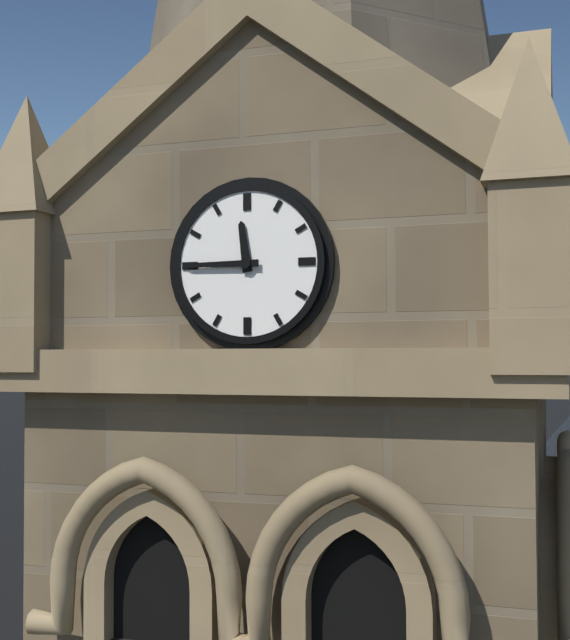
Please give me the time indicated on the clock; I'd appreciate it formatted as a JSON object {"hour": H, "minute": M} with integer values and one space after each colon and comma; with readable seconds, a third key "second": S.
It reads {"hour": 11, "minute": 45}
